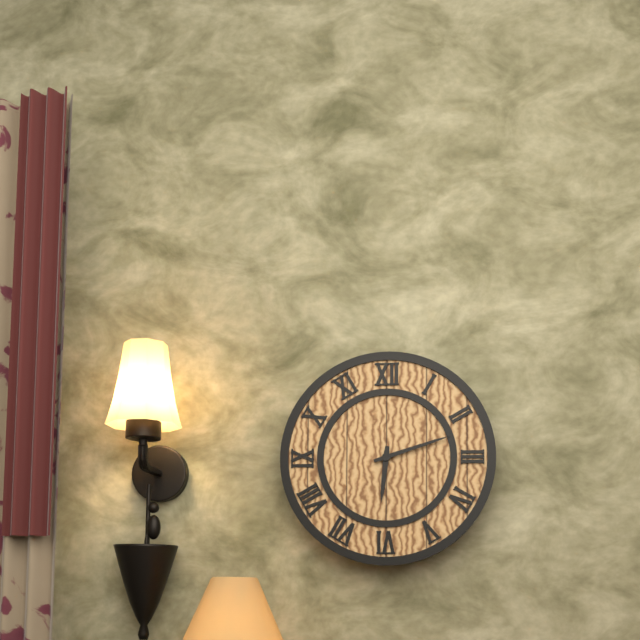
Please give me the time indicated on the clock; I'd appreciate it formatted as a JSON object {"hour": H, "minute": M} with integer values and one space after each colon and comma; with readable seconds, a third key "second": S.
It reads {"hour": 6, "minute": 12}
